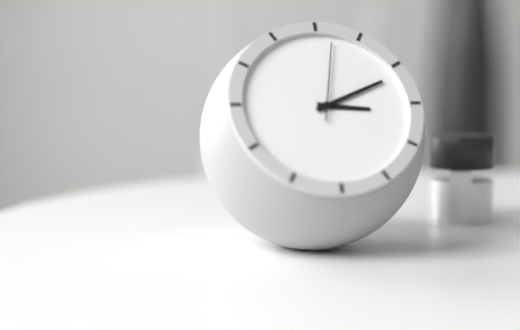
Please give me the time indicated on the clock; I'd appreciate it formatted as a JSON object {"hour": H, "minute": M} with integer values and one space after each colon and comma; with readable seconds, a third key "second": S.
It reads {"hour": 3, "minute": 11, "second": 2}
